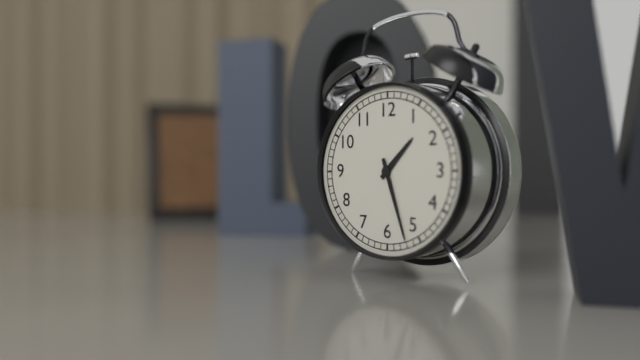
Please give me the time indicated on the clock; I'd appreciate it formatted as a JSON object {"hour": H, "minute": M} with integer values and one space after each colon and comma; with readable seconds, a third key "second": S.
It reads {"hour": 1, "minute": 27}
